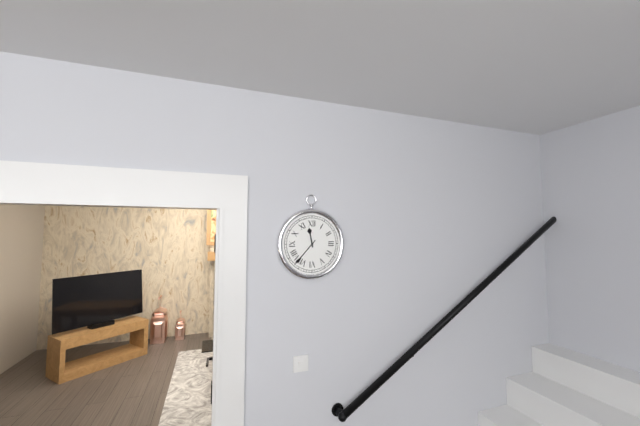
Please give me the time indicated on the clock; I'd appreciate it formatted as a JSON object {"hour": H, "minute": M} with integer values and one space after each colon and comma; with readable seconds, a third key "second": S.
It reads {"hour": 11, "minute": 37}
